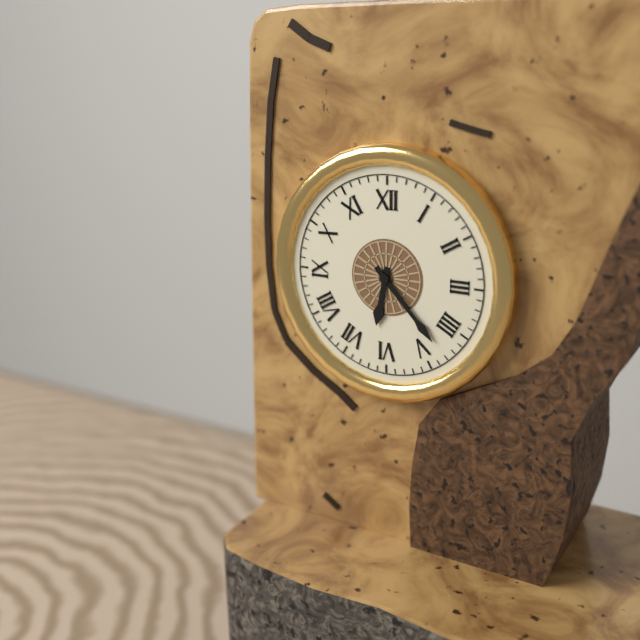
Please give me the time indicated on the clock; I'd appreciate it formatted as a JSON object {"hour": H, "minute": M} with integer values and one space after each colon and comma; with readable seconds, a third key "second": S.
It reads {"hour": 6, "minute": 23}
